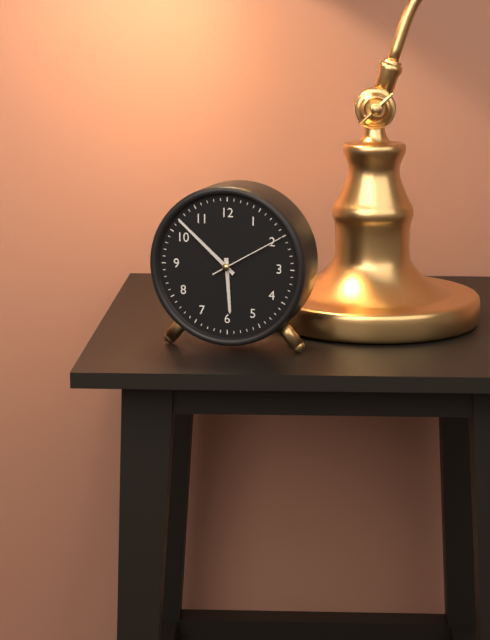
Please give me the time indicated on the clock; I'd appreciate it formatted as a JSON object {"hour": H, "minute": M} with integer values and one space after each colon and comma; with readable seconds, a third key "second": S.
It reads {"hour": 5, "minute": 52, "second": 10}
